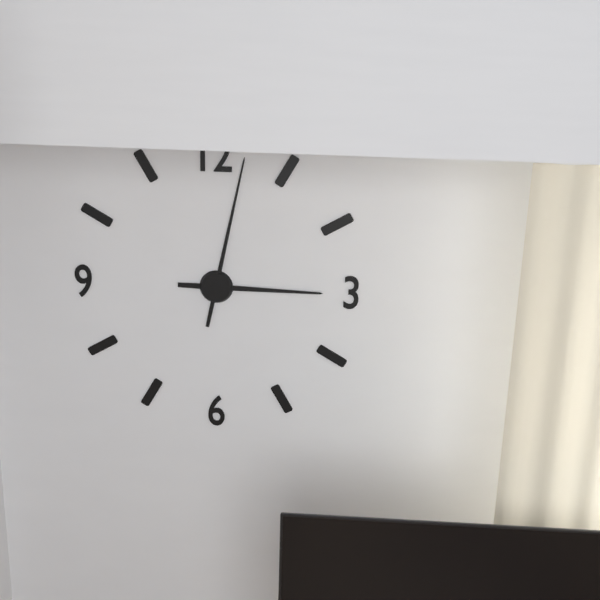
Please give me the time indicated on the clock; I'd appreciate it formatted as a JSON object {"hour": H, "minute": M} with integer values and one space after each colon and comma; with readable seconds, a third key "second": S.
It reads {"hour": 3, "minute": 2}
